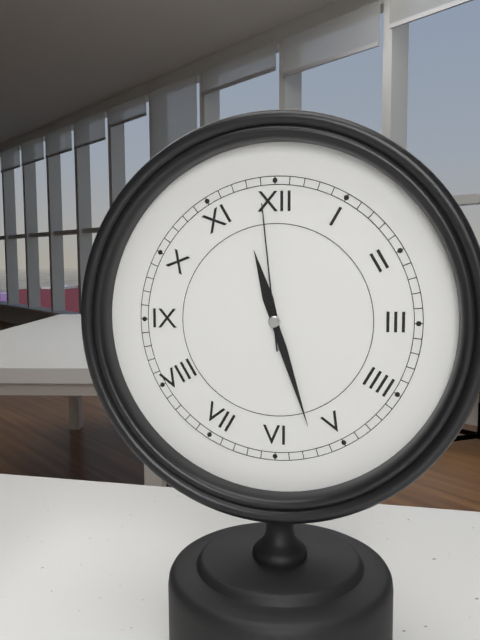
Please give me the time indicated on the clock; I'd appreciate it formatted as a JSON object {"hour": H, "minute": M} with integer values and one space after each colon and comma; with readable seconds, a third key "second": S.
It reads {"hour": 11, "minute": 27, "second": 59}
